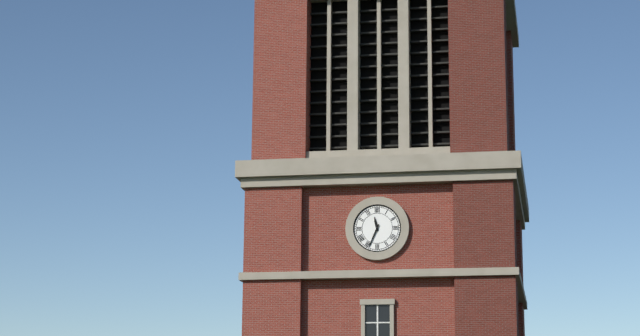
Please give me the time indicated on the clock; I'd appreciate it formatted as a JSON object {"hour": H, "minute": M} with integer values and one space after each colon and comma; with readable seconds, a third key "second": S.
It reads {"hour": 11, "minute": 34}
